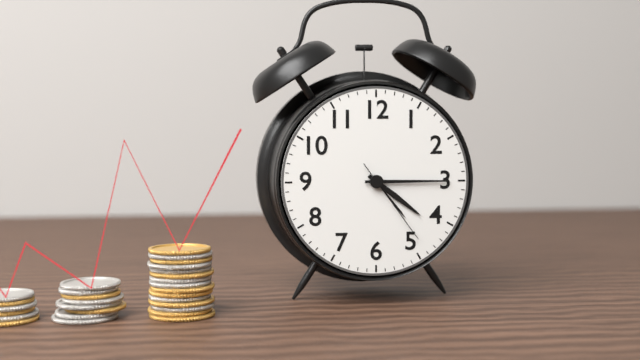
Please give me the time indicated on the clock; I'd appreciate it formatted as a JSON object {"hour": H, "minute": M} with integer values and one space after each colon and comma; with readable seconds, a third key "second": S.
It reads {"hour": 4, "minute": 15, "second": 24}
